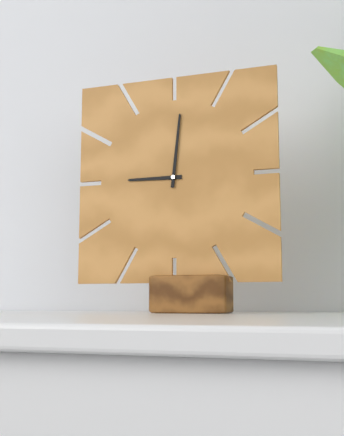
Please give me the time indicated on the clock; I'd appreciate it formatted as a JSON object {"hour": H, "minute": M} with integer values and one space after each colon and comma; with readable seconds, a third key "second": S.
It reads {"hour": 9, "minute": 1}
